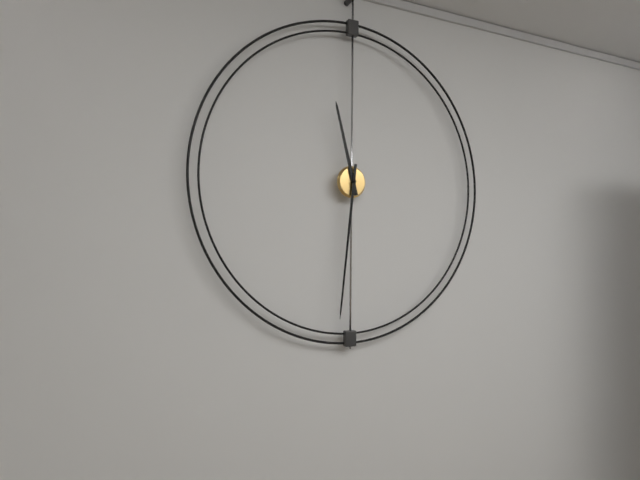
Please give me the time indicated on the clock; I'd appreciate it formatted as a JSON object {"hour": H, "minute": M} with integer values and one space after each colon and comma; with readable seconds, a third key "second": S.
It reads {"hour": 11, "minute": 31}
